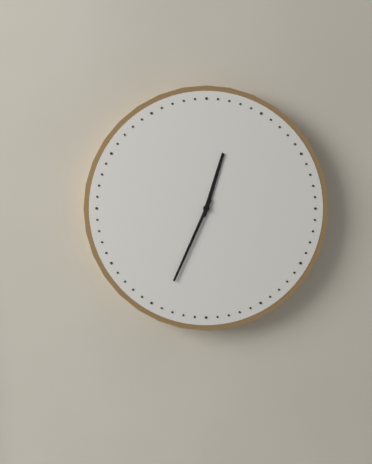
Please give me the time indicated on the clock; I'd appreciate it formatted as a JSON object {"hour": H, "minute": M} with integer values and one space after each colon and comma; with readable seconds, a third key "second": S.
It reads {"hour": 12, "minute": 34}
